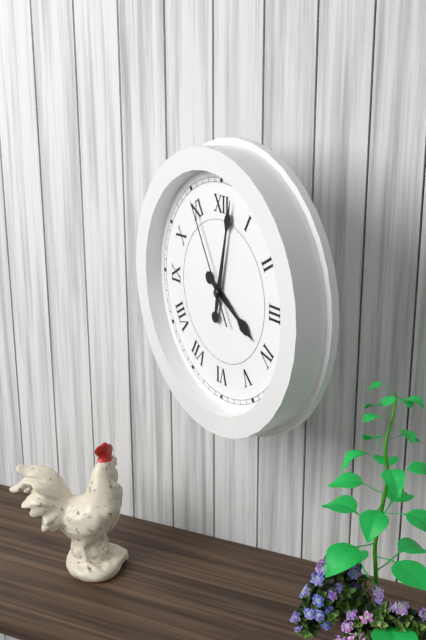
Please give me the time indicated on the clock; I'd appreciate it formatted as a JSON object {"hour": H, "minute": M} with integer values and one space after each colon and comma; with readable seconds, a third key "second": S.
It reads {"hour": 4, "minute": 2, "second": 55}
